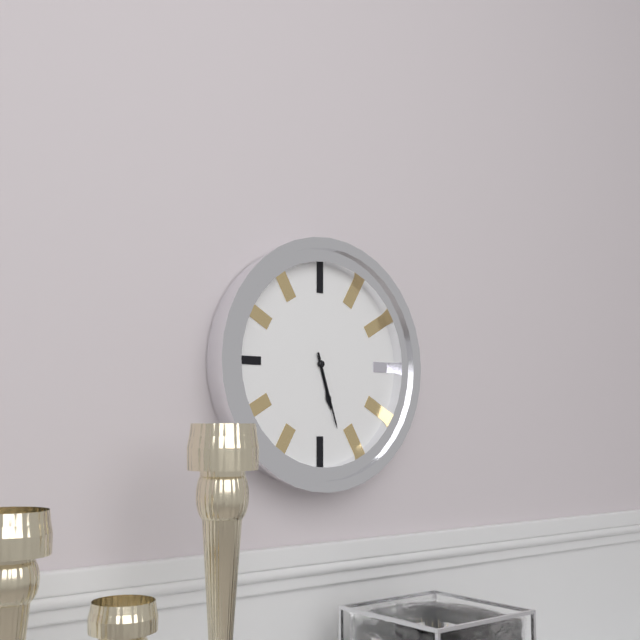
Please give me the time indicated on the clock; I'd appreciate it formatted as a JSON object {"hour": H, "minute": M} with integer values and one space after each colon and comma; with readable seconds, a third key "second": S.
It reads {"hour": 5, "minute": 27}
